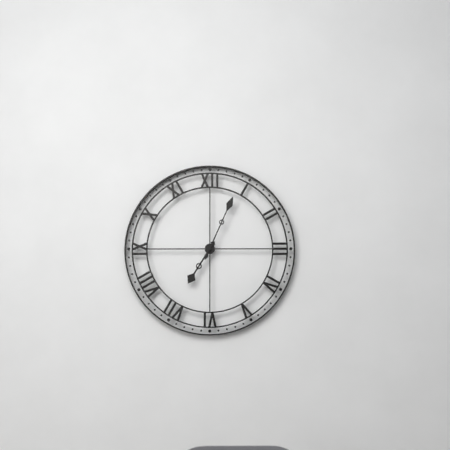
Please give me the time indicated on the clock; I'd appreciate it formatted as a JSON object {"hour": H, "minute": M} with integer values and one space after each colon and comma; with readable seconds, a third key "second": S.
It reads {"hour": 7, "minute": 4}
